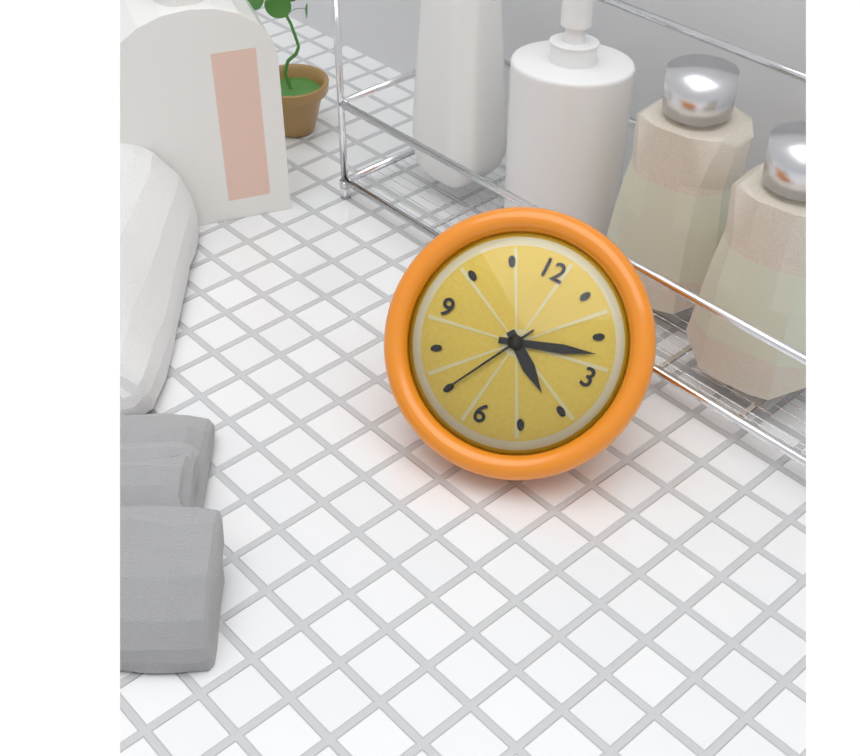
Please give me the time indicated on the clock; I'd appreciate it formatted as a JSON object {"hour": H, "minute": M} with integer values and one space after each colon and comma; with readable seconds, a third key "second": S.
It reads {"hour": 4, "minute": 12, "second": 35}
